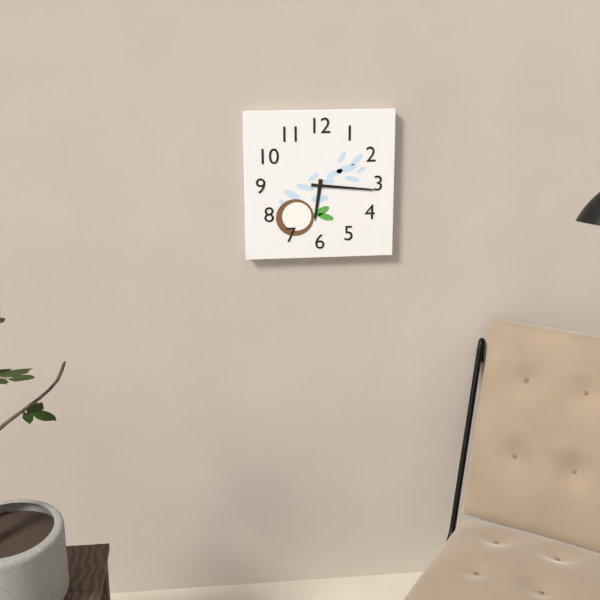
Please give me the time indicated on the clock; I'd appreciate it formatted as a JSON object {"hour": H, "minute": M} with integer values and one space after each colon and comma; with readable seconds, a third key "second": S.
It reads {"hour": 6, "minute": 16}
